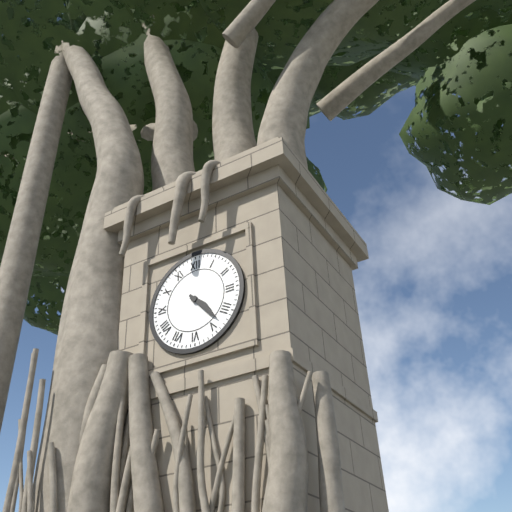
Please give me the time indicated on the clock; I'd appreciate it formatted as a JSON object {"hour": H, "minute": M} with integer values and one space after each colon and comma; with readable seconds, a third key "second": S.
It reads {"hour": 4, "minute": 23}
